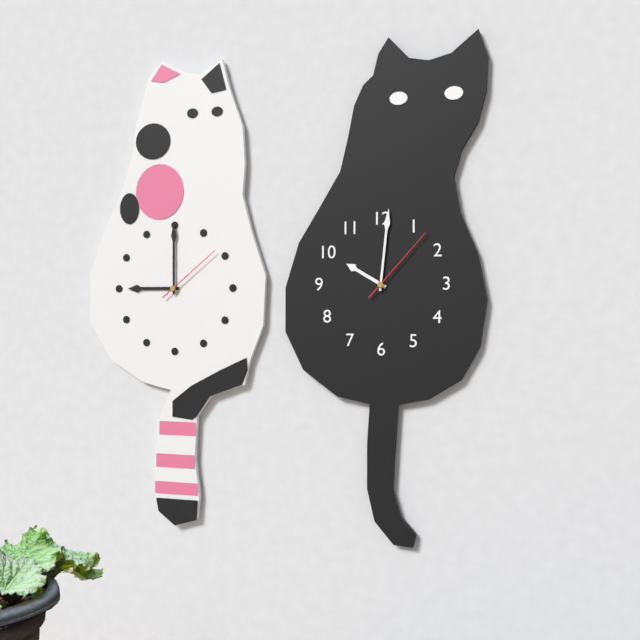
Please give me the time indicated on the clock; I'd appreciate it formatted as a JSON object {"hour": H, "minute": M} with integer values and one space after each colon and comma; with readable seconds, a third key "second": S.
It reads {"hour": 10, "minute": 1, "second": 7}
